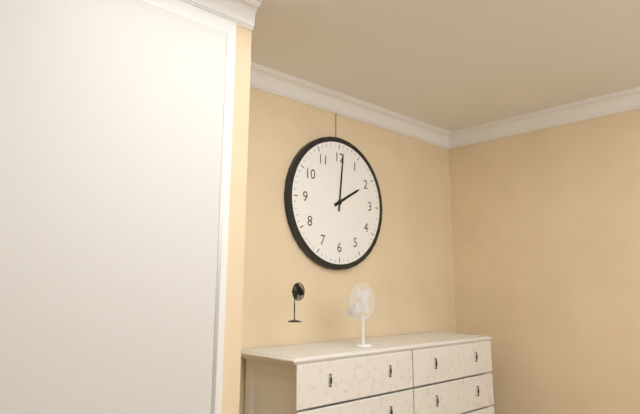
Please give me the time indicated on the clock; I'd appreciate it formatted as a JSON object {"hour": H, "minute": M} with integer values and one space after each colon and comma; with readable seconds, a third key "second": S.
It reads {"hour": 2, "minute": 1}
